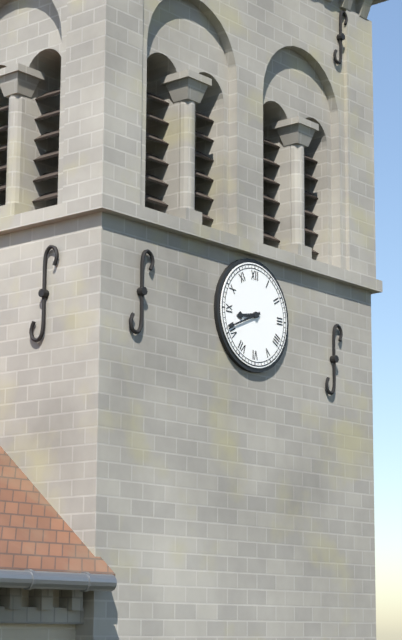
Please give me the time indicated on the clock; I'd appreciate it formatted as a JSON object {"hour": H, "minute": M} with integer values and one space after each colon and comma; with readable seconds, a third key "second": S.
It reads {"hour": 8, "minute": 41}
